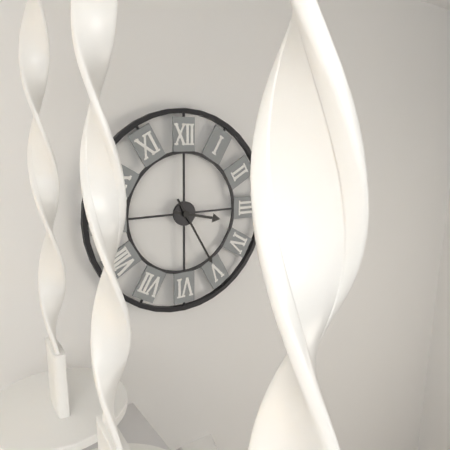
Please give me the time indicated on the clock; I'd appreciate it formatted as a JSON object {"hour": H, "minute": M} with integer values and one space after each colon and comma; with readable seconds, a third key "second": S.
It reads {"hour": 3, "minute": 25}
